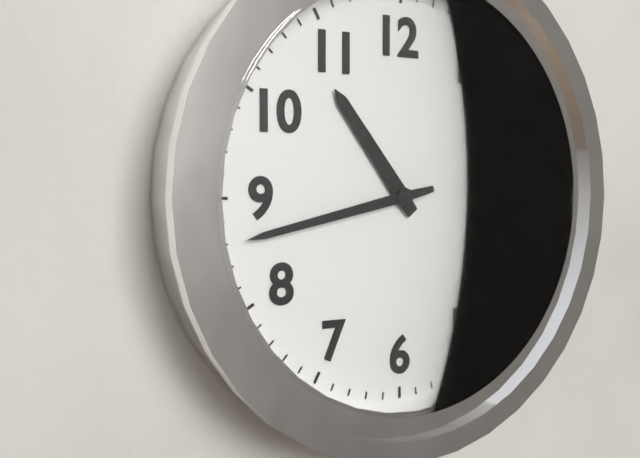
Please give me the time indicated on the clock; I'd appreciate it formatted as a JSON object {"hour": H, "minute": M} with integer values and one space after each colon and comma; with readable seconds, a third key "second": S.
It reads {"hour": 10, "minute": 43}
